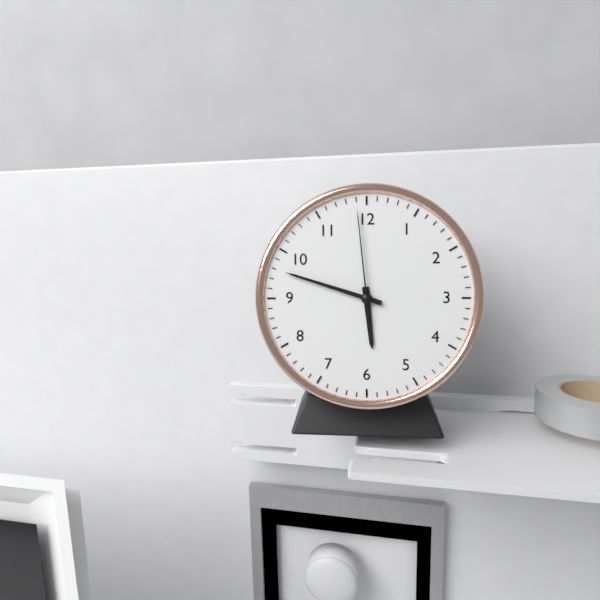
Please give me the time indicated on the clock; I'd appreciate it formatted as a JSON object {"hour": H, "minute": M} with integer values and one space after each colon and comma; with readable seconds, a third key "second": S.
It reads {"hour": 5, "minute": 48, "second": 59}
